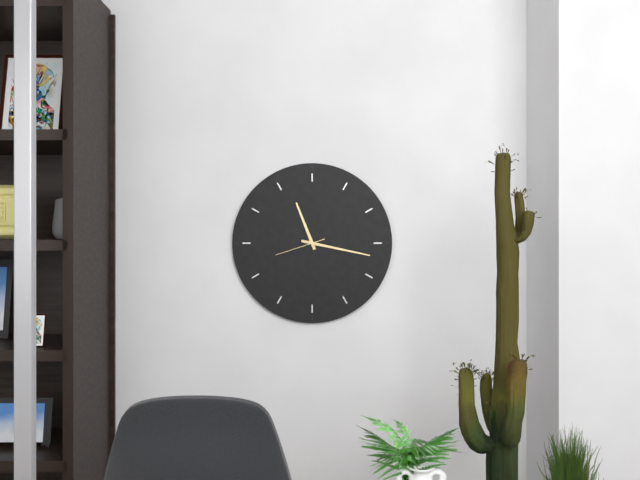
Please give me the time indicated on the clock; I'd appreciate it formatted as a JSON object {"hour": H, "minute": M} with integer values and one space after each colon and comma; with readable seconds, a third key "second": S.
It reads {"hour": 11, "minute": 17}
